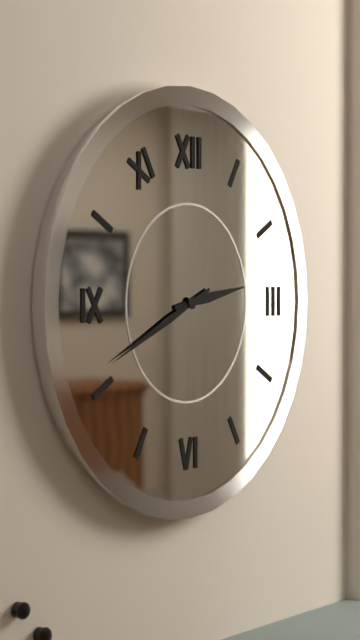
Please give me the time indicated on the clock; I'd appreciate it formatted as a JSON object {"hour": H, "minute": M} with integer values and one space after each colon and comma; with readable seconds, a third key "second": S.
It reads {"hour": 2, "minute": 41}
